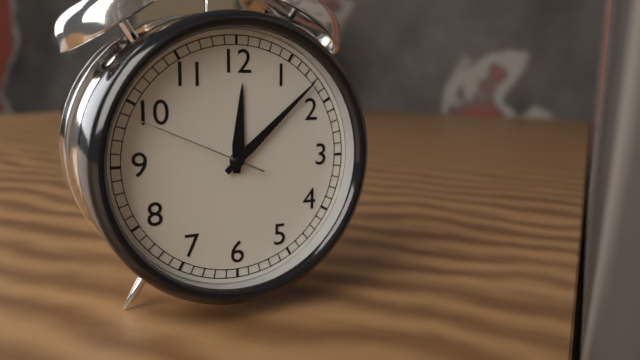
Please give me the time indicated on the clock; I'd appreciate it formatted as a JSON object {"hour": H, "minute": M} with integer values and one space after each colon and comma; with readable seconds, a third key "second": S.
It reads {"hour": 12, "minute": 8, "second": 49}
